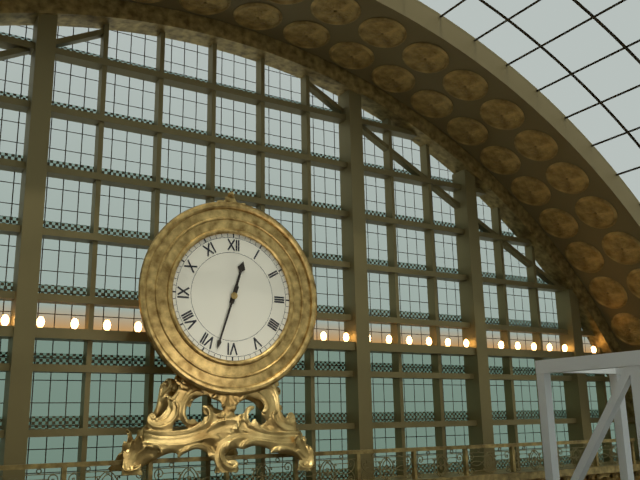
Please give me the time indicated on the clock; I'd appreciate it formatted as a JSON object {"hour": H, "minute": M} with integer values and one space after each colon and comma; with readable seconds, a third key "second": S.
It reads {"hour": 12, "minute": 33}
